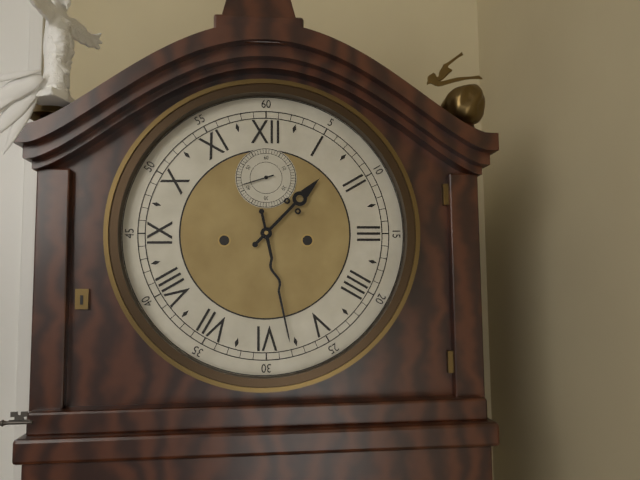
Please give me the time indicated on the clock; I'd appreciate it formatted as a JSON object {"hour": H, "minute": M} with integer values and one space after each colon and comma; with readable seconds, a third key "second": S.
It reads {"hour": 1, "minute": 28}
